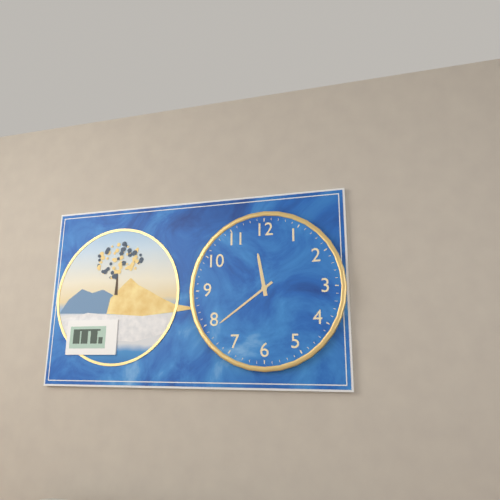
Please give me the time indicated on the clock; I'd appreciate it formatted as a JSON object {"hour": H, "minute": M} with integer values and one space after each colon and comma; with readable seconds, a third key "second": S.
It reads {"hour": 11, "minute": 39}
